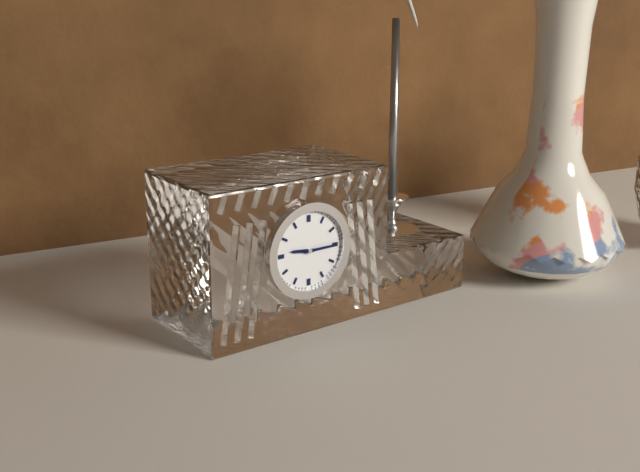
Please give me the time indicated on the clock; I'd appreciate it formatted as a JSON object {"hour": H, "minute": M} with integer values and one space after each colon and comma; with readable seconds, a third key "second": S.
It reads {"hour": 9, "minute": 15}
